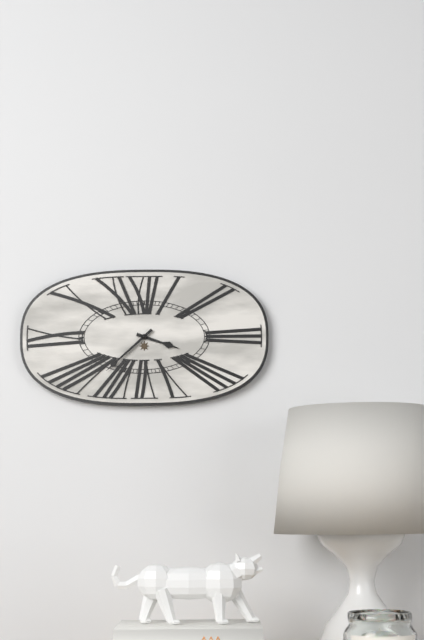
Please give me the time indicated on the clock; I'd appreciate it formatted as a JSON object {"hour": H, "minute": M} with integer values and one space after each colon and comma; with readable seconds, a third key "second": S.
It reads {"hour": 3, "minute": 38}
